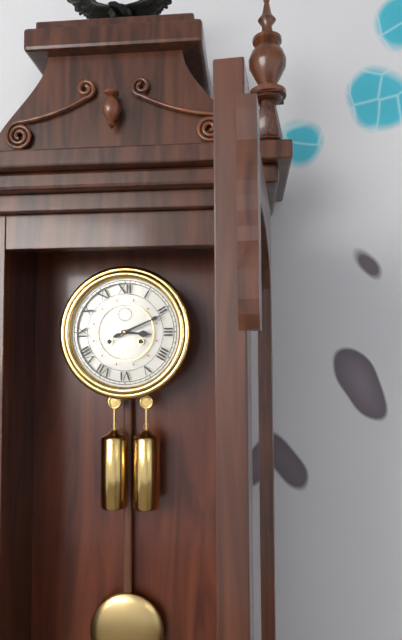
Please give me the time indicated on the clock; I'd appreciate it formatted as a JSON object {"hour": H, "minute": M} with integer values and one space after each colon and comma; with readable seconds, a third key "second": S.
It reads {"hour": 3, "minute": 11}
